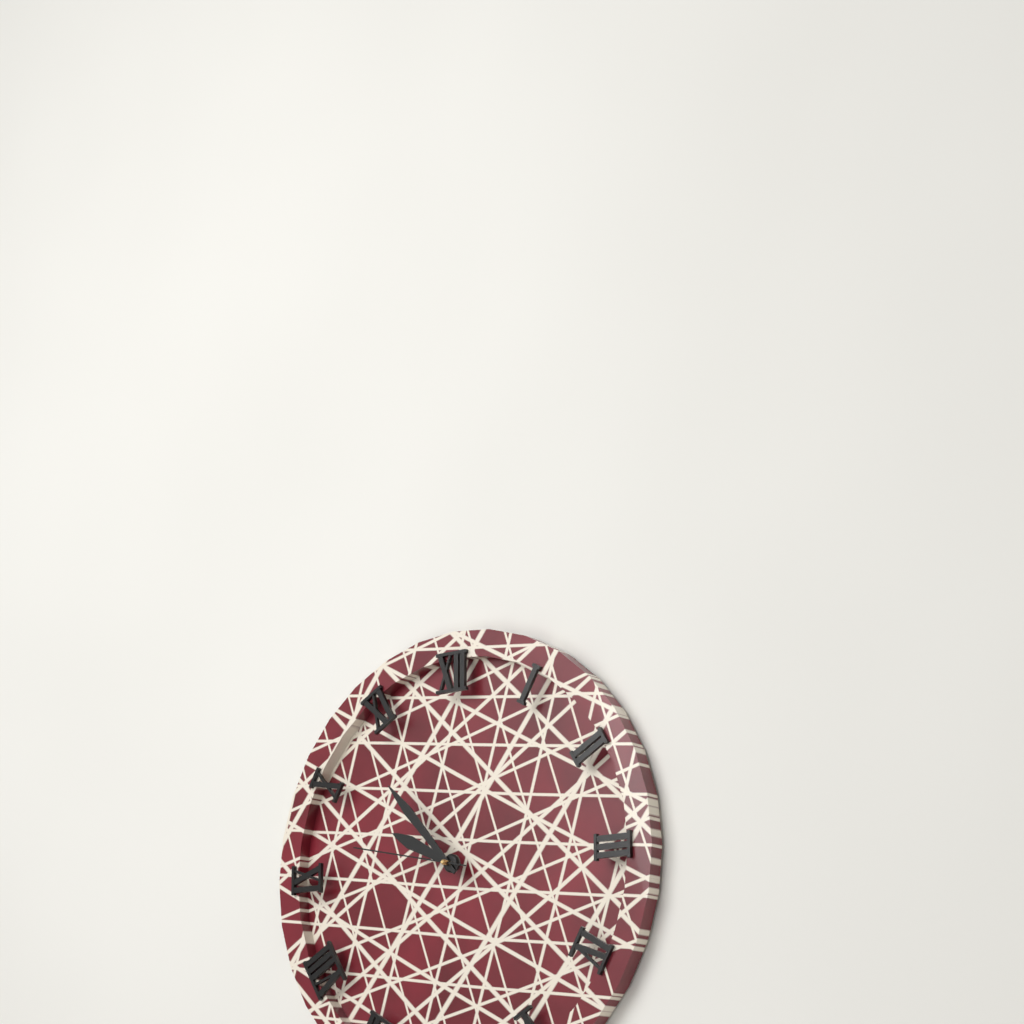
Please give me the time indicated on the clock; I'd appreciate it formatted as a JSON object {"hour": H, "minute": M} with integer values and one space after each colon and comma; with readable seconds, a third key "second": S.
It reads {"hour": 9, "minute": 53, "second": 47}
